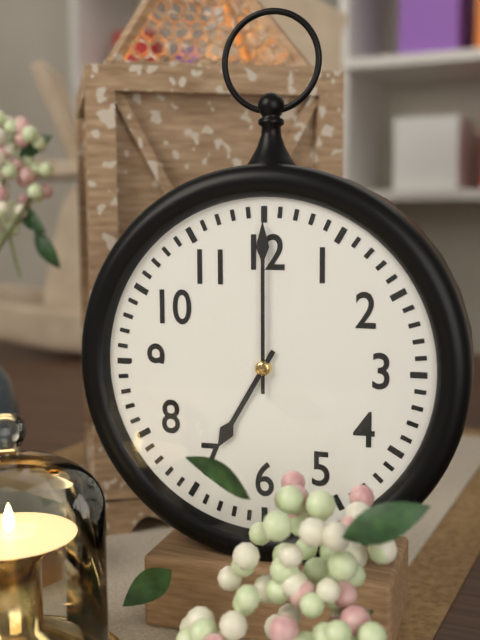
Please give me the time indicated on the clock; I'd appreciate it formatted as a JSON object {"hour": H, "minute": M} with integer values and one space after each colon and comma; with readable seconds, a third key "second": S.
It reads {"hour": 7, "minute": 0}
